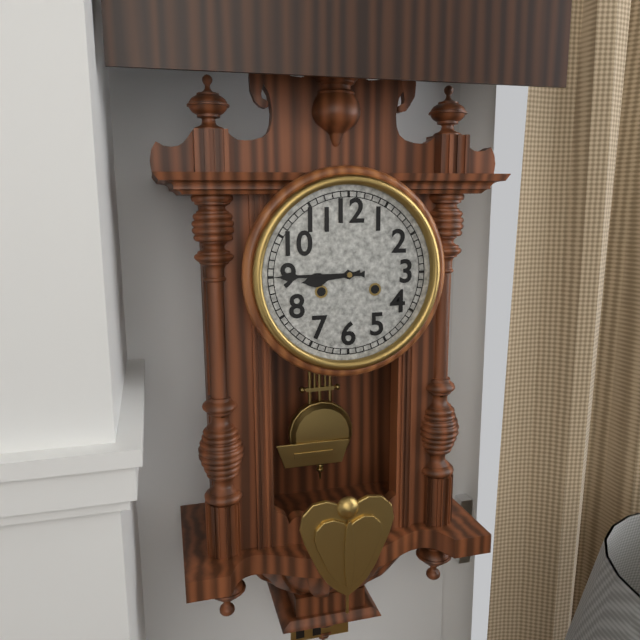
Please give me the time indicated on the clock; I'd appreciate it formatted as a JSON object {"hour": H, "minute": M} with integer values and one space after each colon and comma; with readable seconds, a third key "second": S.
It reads {"hour": 8, "minute": 45}
